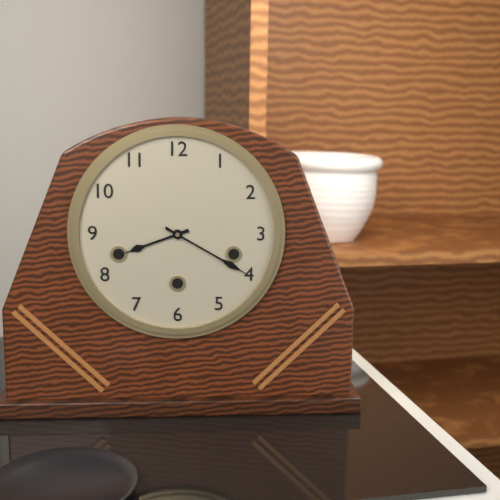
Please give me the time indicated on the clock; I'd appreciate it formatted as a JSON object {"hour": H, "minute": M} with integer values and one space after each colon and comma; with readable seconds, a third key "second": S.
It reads {"hour": 8, "minute": 20}
